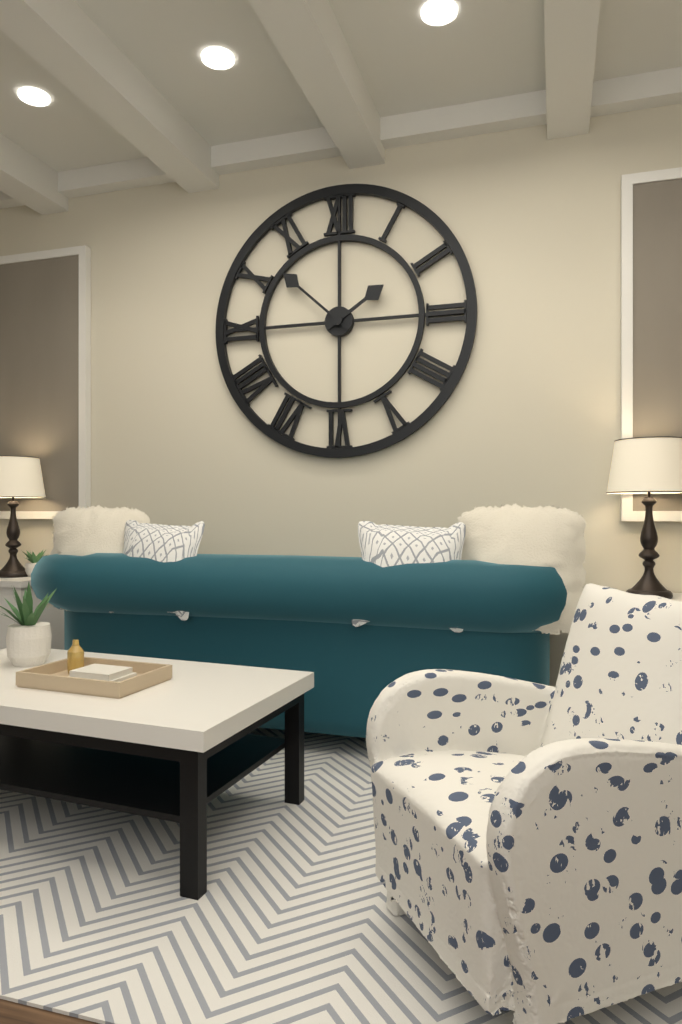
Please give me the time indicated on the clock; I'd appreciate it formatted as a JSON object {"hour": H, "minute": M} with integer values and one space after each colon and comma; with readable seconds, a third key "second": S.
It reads {"hour": 1, "minute": 52}
